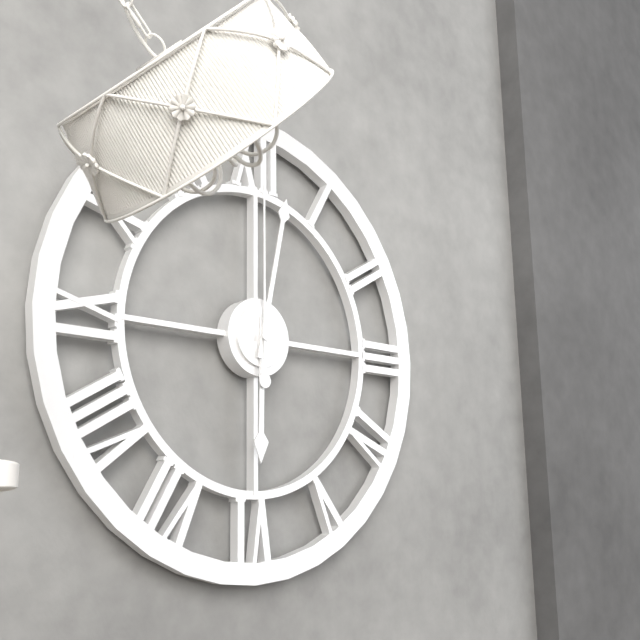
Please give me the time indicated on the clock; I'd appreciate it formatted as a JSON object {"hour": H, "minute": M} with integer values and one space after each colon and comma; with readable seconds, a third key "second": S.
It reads {"hour": 6, "minute": 2, "second": 0}
